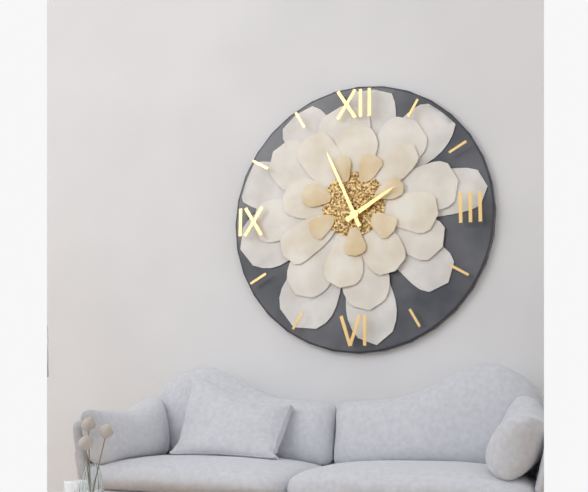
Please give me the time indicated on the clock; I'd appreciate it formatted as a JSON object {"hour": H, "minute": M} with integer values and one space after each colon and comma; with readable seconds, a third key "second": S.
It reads {"hour": 1, "minute": 56}
